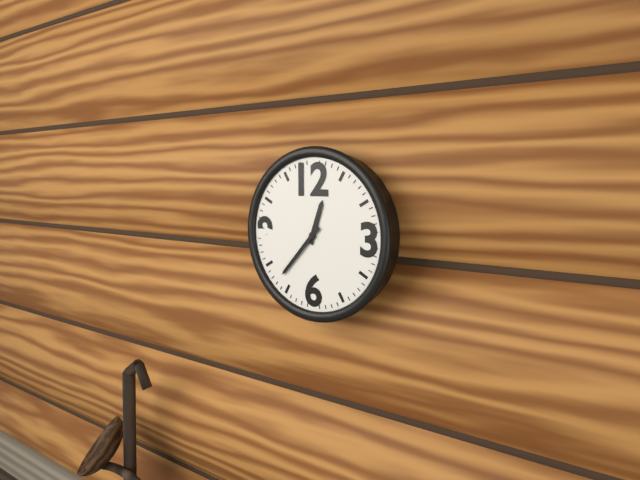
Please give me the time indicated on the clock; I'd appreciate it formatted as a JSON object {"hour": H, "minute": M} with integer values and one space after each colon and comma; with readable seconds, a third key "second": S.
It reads {"hour": 12, "minute": 37}
